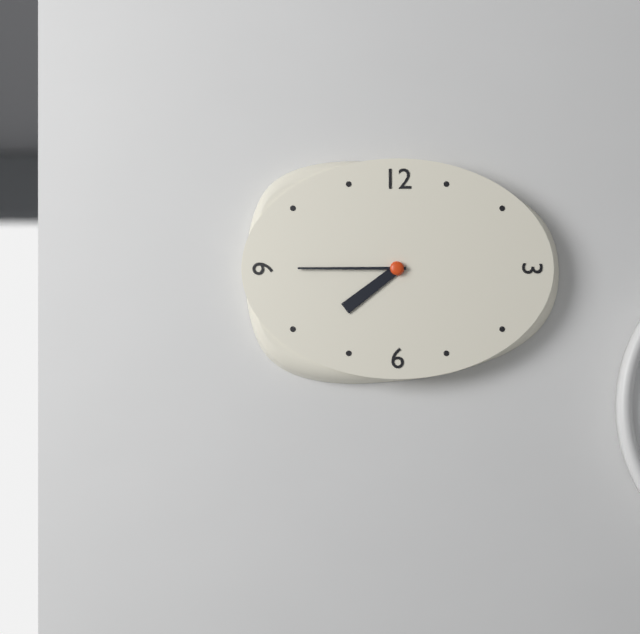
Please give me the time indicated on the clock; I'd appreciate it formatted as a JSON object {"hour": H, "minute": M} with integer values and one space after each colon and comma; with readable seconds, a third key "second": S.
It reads {"hour": 7, "minute": 45}
